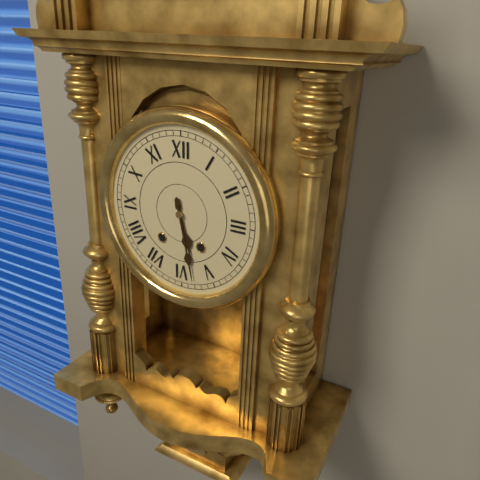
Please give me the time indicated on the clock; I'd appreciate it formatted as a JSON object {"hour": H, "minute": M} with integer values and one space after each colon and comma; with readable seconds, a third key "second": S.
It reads {"hour": 5, "minute": 28}
